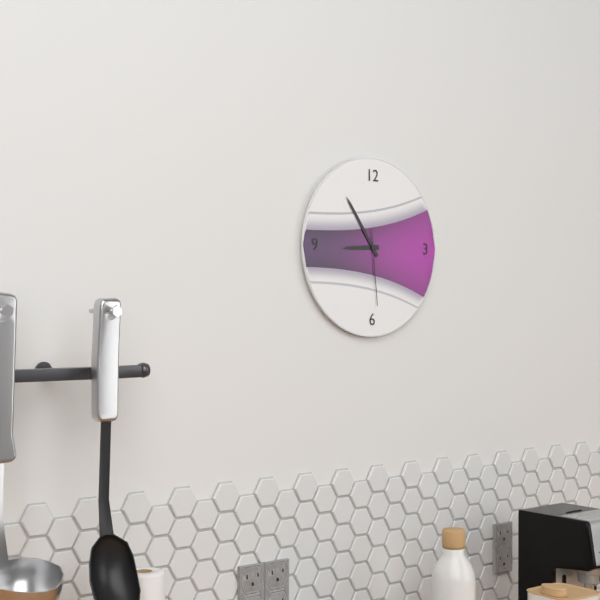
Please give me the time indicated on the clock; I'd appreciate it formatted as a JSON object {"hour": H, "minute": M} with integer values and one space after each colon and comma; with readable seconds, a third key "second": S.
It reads {"hour": 8, "minute": 54, "second": 29}
